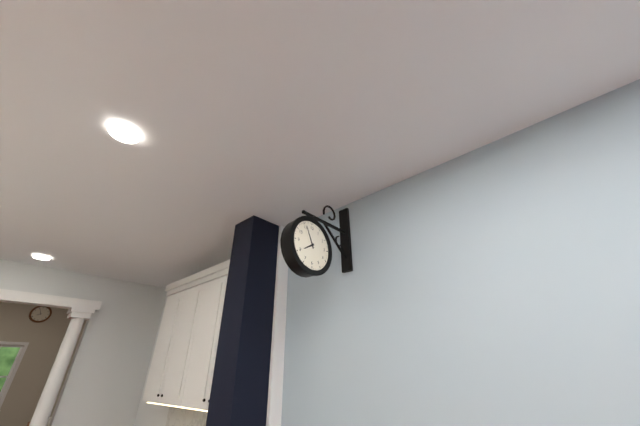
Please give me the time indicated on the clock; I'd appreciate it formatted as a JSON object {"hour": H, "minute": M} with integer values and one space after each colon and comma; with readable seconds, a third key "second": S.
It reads {"hour": 7, "minute": 56}
